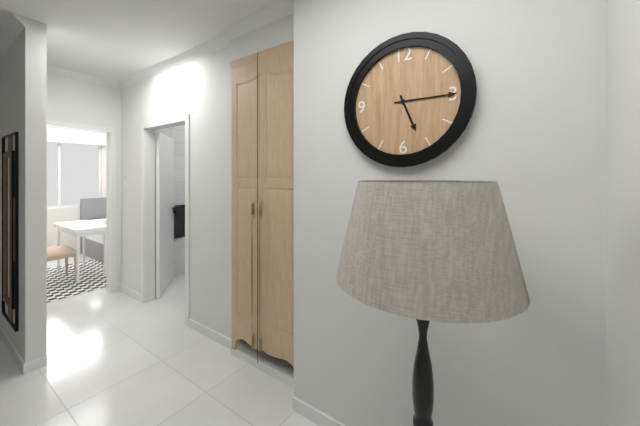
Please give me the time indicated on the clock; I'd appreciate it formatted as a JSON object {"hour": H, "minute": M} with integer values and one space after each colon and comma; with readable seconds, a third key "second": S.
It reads {"hour": 5, "minute": 15}
